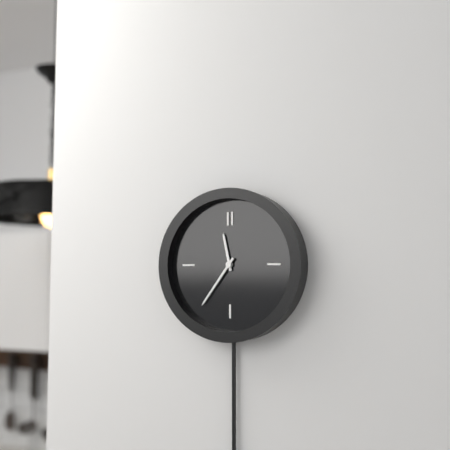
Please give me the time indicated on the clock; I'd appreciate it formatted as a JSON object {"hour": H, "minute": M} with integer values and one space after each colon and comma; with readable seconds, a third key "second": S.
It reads {"hour": 11, "minute": 36}
